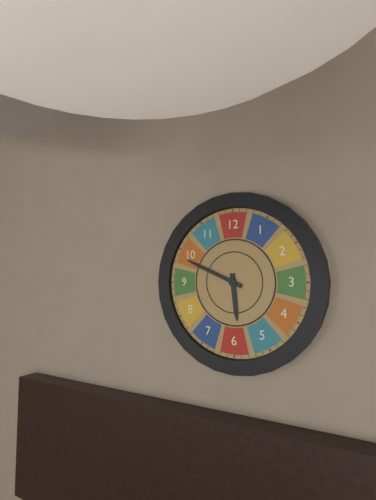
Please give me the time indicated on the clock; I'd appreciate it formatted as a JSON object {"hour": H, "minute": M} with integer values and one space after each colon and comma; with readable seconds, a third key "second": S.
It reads {"hour": 5, "minute": 49}
